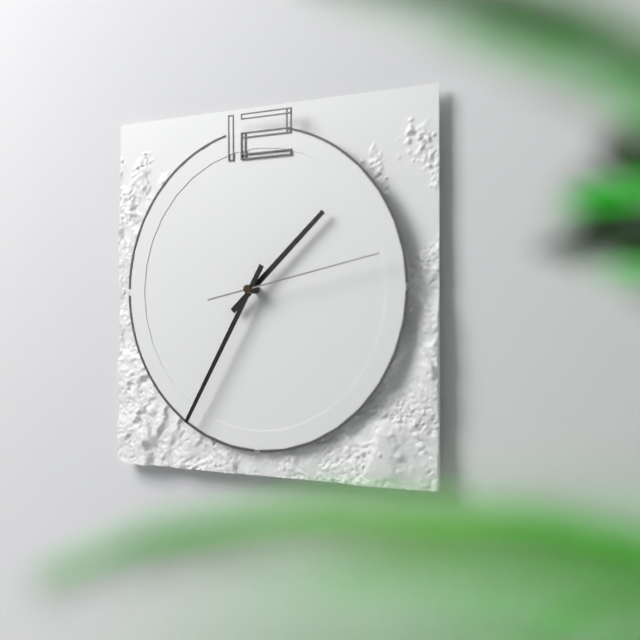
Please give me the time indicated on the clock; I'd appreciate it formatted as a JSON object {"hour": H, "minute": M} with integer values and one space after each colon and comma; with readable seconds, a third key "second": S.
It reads {"hour": 1, "minute": 35, "second": 13}
